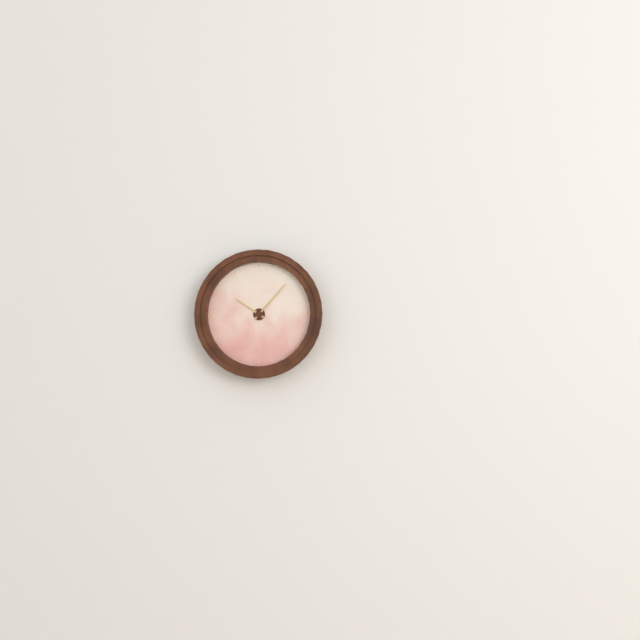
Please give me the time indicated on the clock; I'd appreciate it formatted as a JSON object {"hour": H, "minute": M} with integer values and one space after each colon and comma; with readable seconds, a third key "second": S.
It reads {"hour": 10, "minute": 7}
